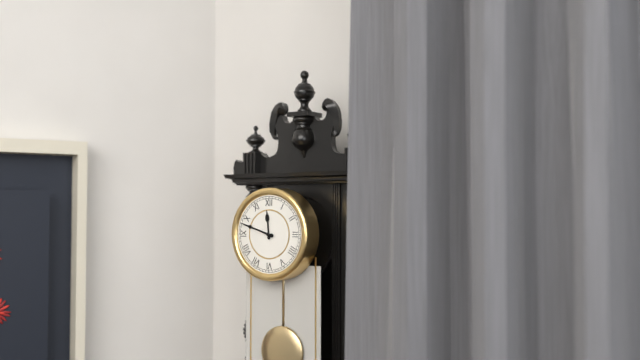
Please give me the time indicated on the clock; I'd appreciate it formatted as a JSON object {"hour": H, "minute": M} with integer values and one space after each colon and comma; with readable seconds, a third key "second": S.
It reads {"hour": 11, "minute": 48}
